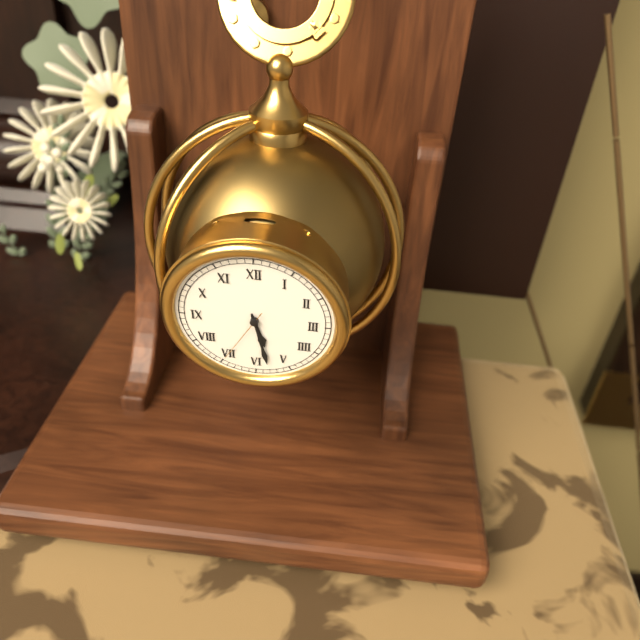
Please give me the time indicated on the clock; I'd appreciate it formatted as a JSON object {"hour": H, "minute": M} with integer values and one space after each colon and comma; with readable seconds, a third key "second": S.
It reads {"hour": 5, "minute": 28, "second": 35}
